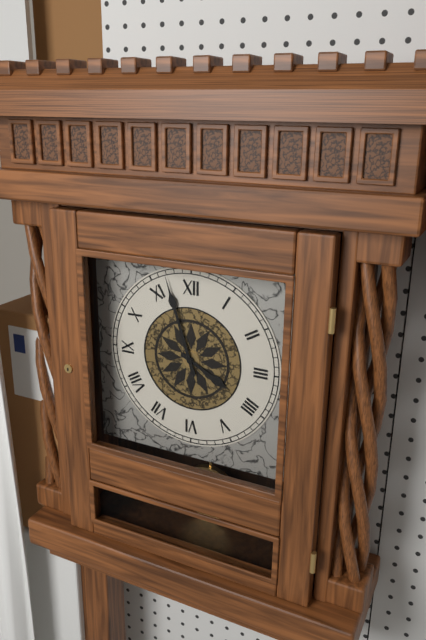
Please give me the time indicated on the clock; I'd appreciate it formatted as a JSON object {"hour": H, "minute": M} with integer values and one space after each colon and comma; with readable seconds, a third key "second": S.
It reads {"hour": 3, "minute": 57}
